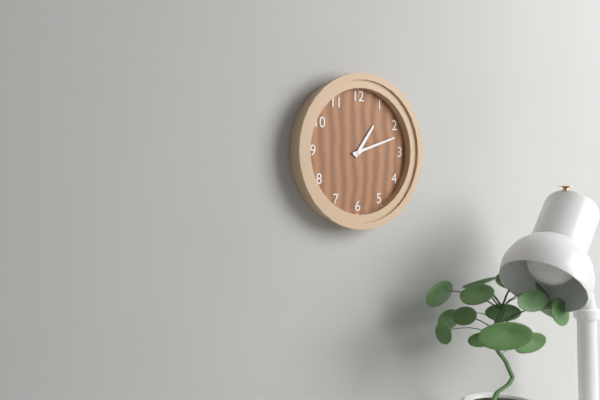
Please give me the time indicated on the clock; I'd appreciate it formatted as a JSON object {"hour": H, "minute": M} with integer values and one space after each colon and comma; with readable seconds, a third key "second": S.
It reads {"hour": 1, "minute": 12}
